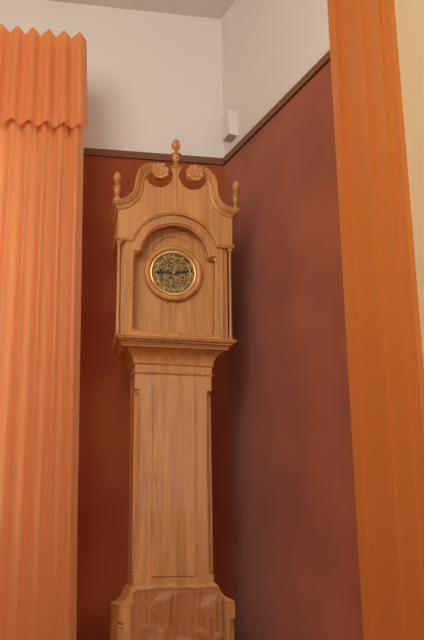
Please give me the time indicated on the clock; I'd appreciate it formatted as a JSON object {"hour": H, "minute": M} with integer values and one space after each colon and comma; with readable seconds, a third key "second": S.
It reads {"hour": 2, "minute": 45}
